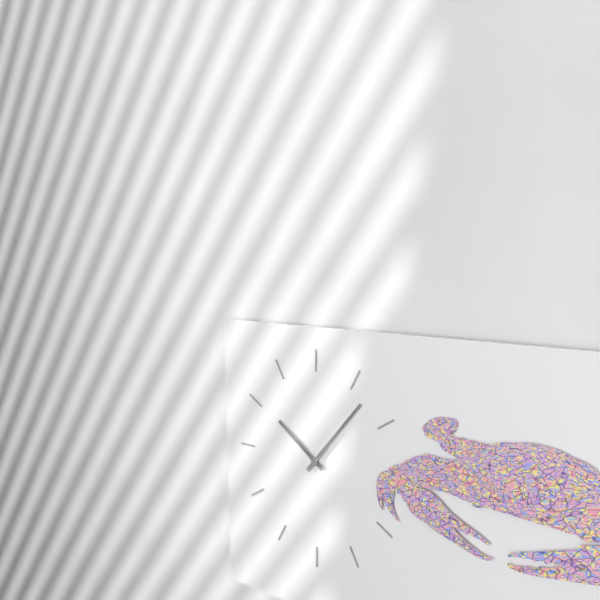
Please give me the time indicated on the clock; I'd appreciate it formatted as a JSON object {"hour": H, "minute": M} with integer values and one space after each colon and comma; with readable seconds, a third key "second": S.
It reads {"hour": 10, "minute": 7}
